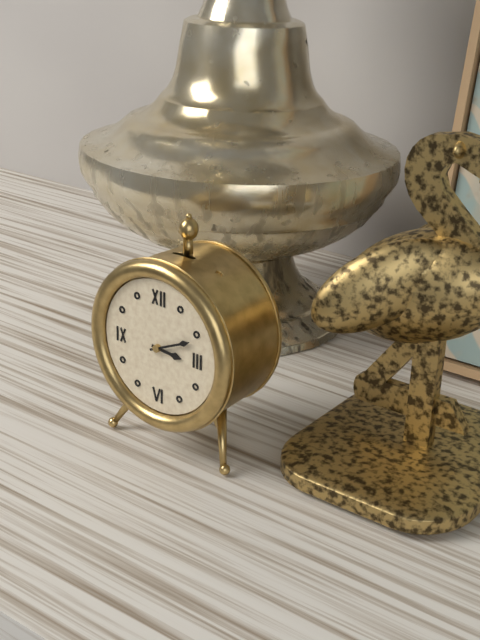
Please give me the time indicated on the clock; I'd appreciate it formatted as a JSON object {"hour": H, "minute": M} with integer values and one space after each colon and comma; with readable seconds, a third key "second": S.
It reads {"hour": 3, "minute": 11}
